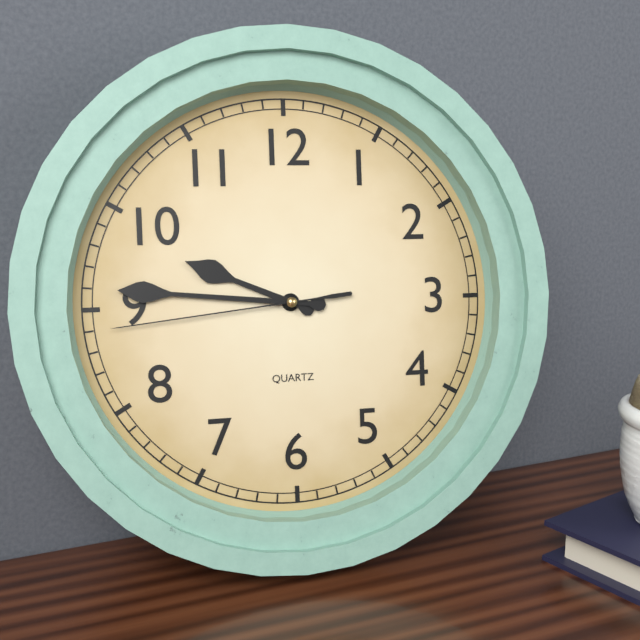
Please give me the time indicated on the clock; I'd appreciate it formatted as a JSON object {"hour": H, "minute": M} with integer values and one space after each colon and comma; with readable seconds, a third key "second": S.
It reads {"hour": 9, "minute": 46, "second": 44}
